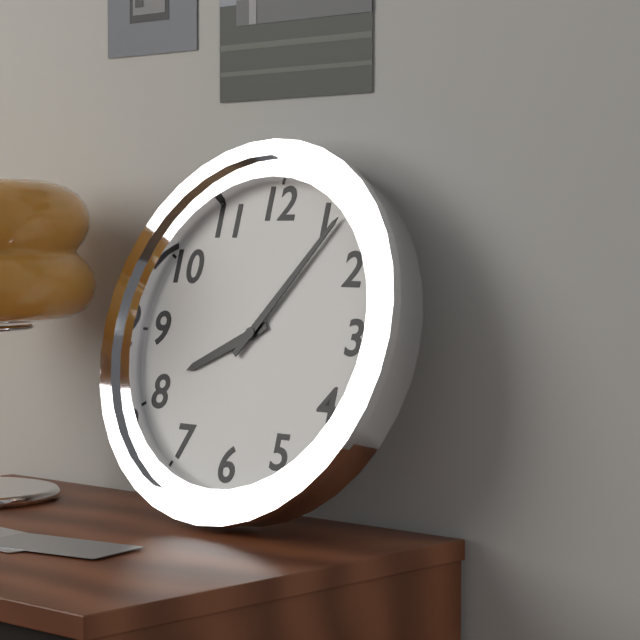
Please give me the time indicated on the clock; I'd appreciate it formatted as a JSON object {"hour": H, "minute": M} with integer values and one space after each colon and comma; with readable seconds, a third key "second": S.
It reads {"hour": 8, "minute": 6}
